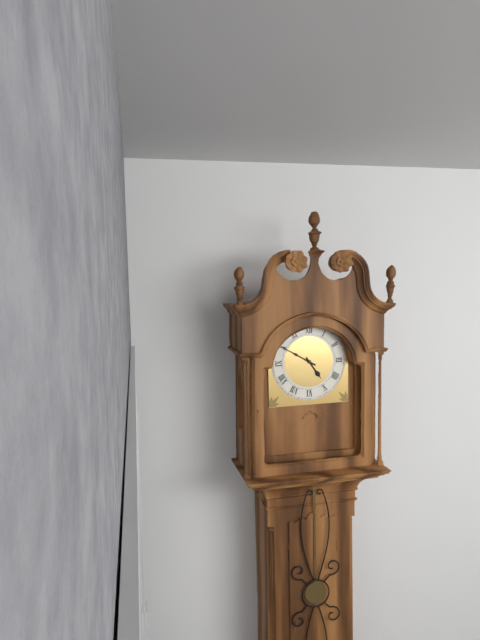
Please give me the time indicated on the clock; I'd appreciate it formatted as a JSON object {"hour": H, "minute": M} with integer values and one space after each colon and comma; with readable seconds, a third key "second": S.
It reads {"hour": 4, "minute": 50}
